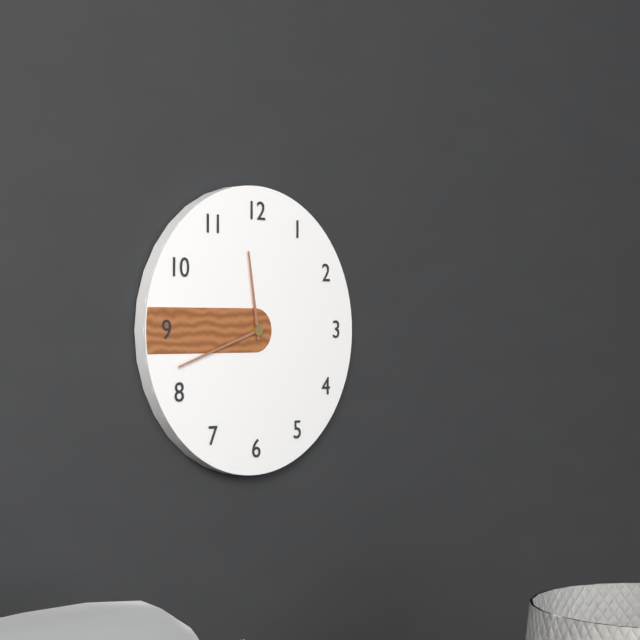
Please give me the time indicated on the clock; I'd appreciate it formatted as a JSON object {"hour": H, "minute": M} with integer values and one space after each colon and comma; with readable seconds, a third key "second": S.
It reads {"hour": 11, "minute": 42}
